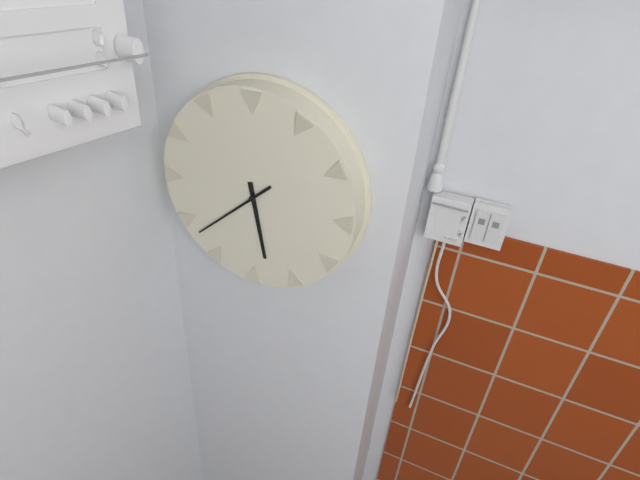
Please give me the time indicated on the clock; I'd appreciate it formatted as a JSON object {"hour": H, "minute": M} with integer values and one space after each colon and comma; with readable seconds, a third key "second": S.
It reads {"hour": 5, "minute": 38}
